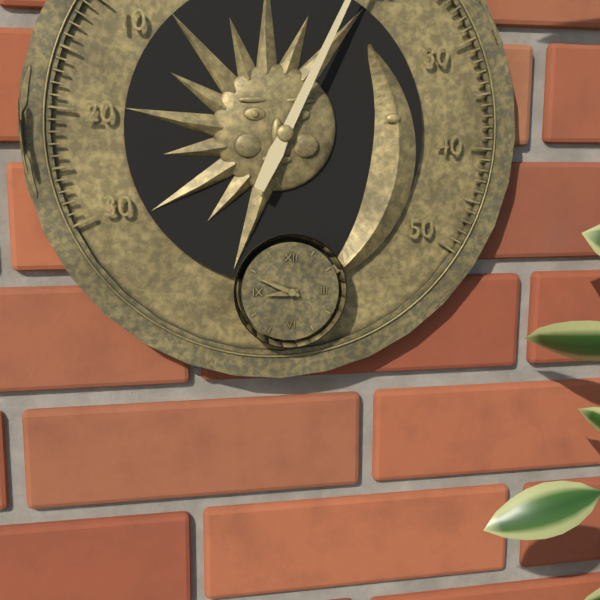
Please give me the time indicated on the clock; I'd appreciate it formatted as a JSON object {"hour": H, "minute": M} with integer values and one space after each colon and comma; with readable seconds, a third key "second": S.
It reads {"hour": 8, "minute": 49}
